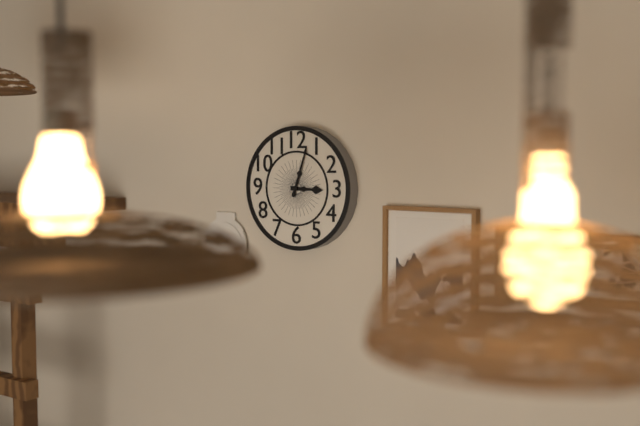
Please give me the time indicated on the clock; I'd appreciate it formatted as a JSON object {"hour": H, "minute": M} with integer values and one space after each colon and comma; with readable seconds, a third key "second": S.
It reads {"hour": 3, "minute": 3}
